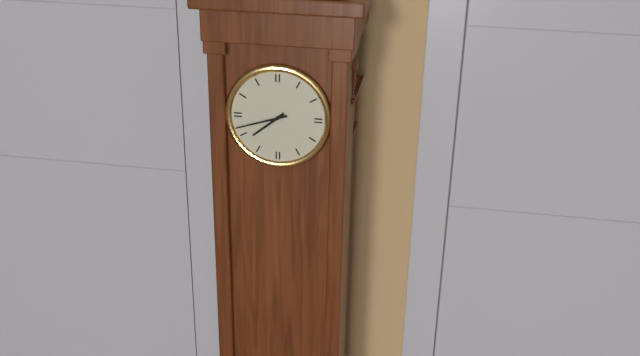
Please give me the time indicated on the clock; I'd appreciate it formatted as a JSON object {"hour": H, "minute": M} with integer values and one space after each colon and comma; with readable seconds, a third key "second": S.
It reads {"hour": 7, "minute": 42}
